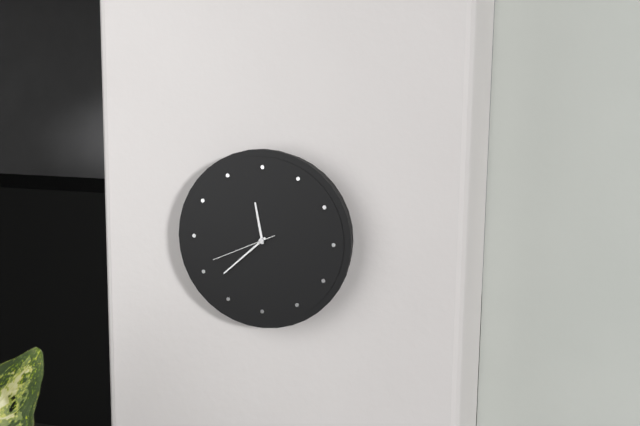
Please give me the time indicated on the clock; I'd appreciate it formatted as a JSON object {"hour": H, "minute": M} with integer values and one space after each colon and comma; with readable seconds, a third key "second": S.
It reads {"hour": 11, "minute": 38, "second": 41}
